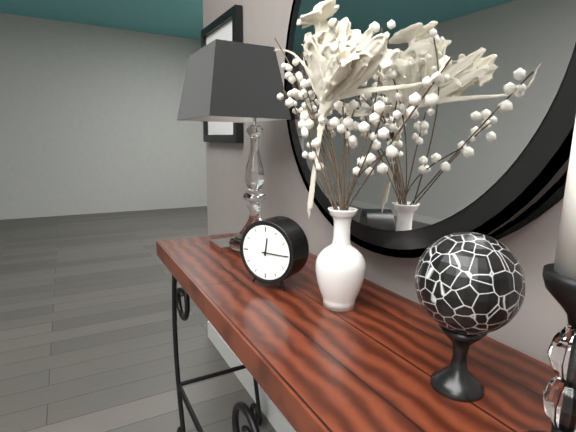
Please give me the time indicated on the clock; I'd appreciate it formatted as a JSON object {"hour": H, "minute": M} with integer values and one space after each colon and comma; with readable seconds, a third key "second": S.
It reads {"hour": 12, "minute": 15}
